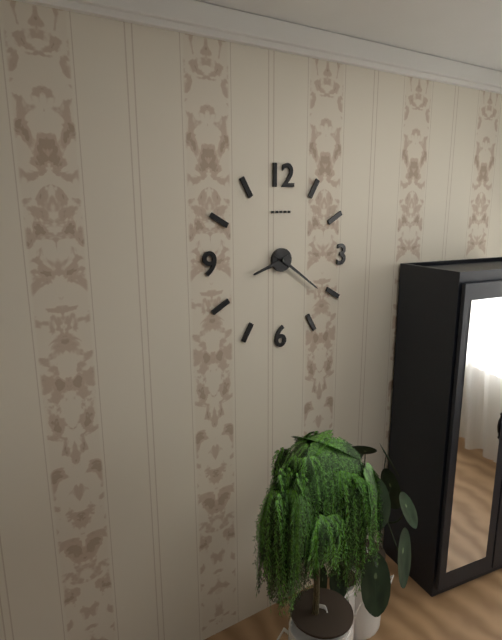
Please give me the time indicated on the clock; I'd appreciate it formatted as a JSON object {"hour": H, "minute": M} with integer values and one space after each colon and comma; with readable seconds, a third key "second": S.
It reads {"hour": 8, "minute": 21}
